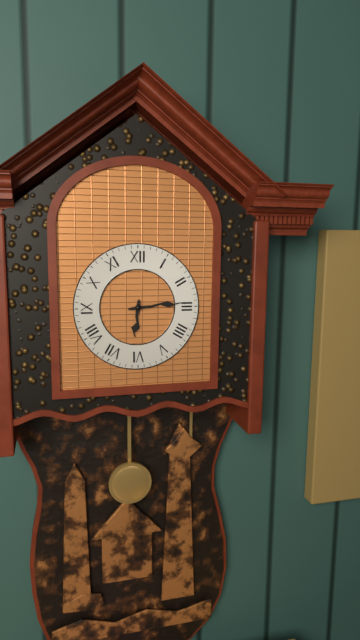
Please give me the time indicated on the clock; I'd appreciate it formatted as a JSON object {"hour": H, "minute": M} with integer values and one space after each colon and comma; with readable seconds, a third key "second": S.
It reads {"hour": 6, "minute": 14}
